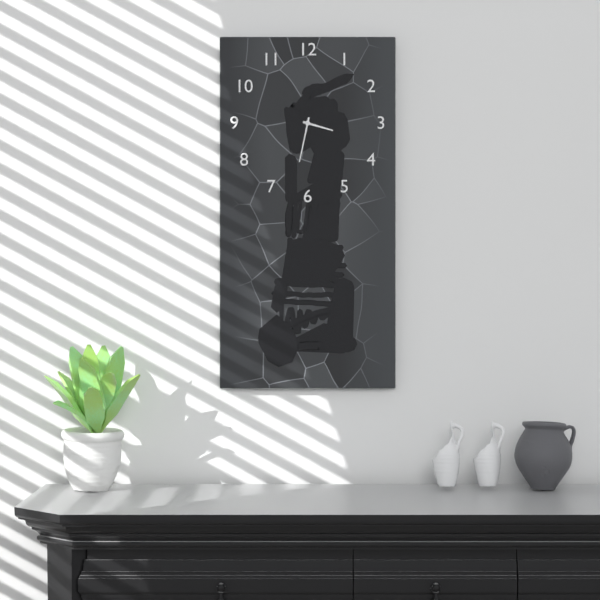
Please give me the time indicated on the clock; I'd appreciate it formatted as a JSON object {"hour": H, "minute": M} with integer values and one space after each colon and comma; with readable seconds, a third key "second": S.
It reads {"hour": 3, "minute": 32}
